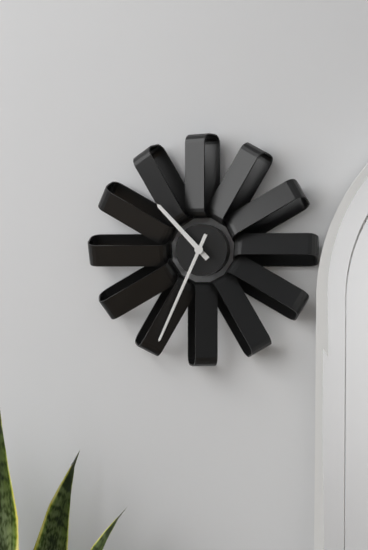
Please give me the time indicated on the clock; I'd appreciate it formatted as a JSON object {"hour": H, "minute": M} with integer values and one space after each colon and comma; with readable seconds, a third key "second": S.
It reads {"hour": 10, "minute": 34}
